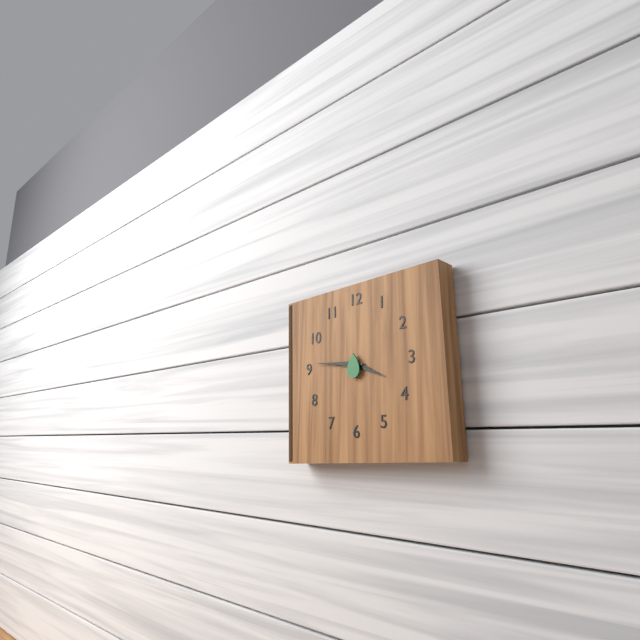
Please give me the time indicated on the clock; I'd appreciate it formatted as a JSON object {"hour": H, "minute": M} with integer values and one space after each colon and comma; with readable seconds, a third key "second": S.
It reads {"hour": 3, "minute": 46}
